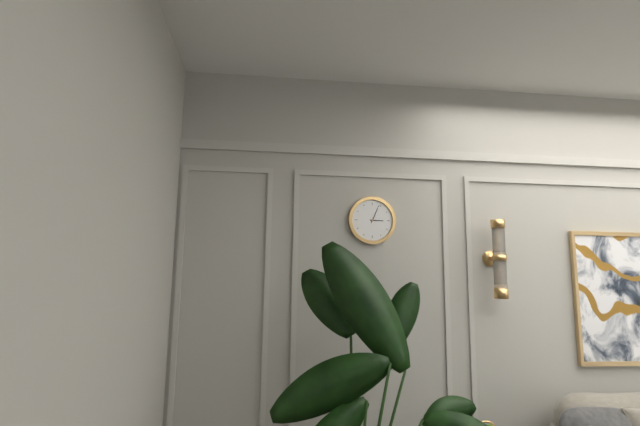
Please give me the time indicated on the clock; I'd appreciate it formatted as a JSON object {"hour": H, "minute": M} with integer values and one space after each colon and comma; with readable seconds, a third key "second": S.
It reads {"hour": 3, "minute": 4}
